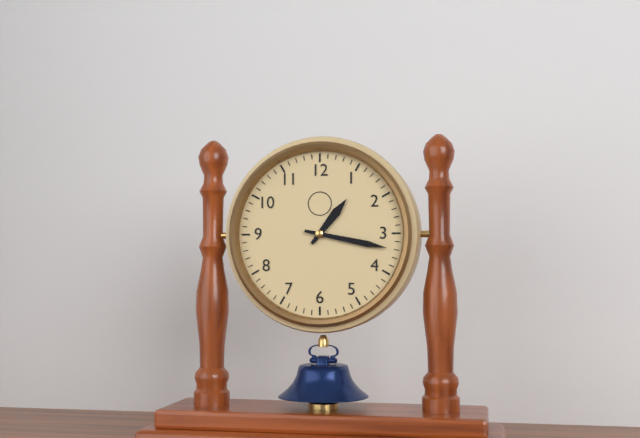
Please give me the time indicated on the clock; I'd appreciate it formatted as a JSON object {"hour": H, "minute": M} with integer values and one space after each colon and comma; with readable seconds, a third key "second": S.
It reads {"hour": 1, "minute": 17}
